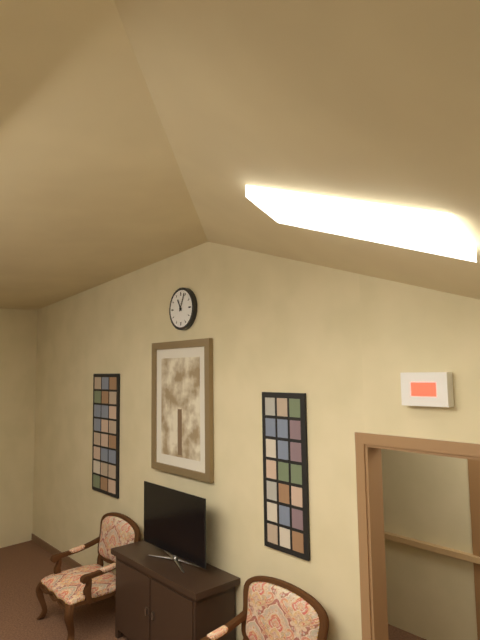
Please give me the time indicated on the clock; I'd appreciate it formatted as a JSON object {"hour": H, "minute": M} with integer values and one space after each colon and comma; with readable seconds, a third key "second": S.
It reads {"hour": 11, "minute": 4}
